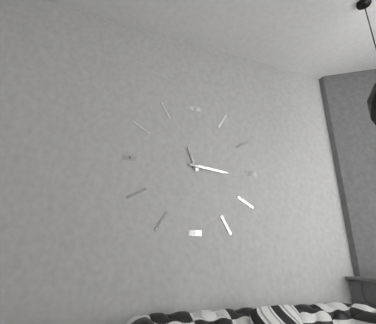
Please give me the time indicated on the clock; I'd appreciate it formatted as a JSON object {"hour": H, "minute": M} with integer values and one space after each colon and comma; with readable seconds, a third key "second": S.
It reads {"hour": 11, "minute": 16}
